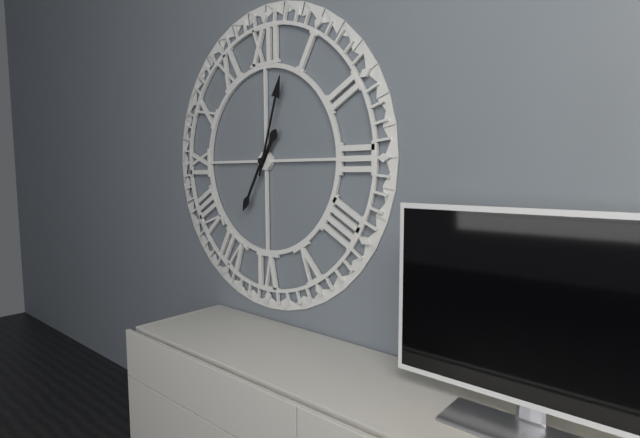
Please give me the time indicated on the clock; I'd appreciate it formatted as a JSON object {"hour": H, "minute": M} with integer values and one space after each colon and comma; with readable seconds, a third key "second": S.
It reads {"hour": 1, "minute": 3, "second": 35}
